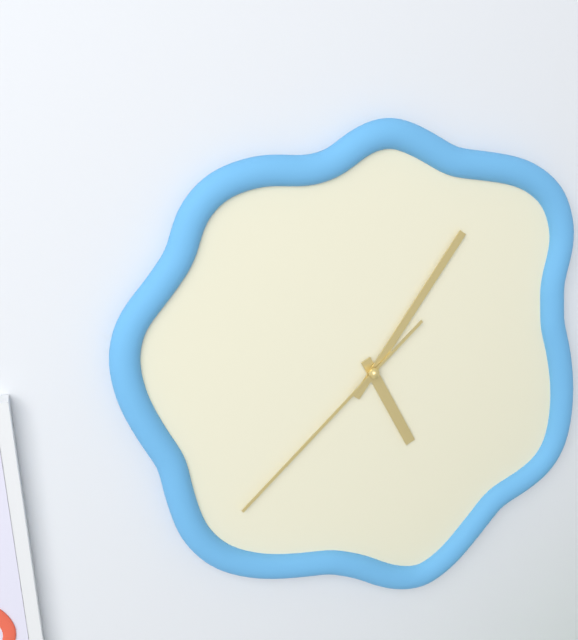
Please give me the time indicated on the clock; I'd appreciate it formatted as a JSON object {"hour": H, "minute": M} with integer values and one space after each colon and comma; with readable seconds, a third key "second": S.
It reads {"hour": 5, "minute": 6, "second": 38}
